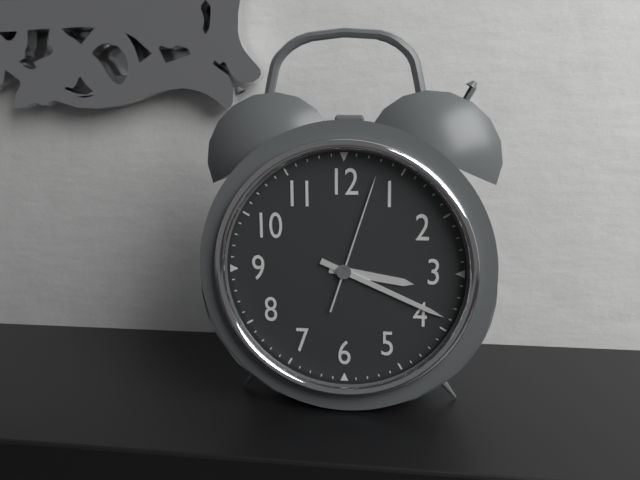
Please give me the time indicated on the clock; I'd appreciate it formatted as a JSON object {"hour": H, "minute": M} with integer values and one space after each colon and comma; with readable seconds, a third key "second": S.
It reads {"hour": 3, "minute": 19, "second": 3}
